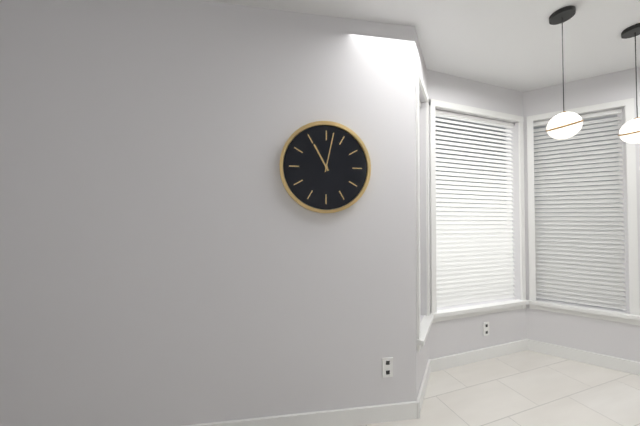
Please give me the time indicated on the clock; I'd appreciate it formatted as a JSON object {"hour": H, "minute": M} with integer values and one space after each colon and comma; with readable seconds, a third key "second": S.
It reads {"hour": 11, "minute": 2}
